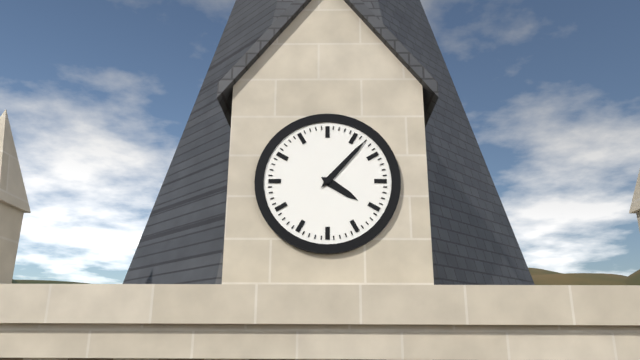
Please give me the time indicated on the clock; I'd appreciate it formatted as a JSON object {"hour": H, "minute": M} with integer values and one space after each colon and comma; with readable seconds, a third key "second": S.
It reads {"hour": 4, "minute": 7}
